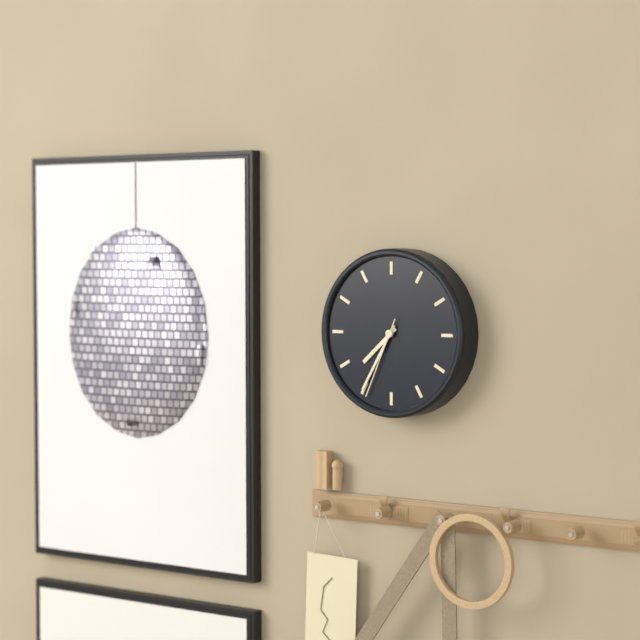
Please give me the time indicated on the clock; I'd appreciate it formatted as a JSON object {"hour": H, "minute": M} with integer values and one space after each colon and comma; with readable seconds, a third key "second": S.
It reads {"hour": 7, "minute": 35, "second": 34}
